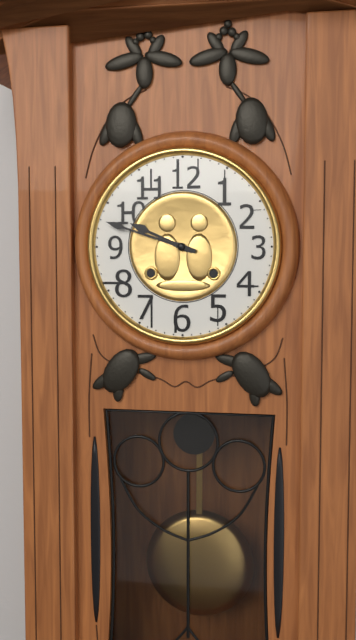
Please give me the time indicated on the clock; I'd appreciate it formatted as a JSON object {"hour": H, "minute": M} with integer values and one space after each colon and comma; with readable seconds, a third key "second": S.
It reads {"hour": 9, "minute": 48}
